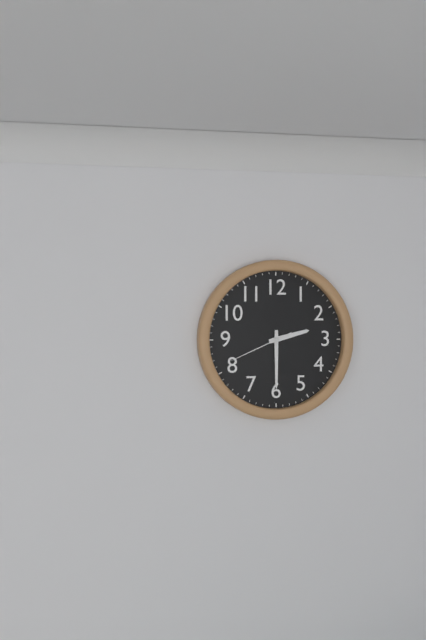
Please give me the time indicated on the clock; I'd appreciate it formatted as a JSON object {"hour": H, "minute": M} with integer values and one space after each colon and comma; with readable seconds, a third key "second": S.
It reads {"hour": 2, "minute": 30, "second": 41}
